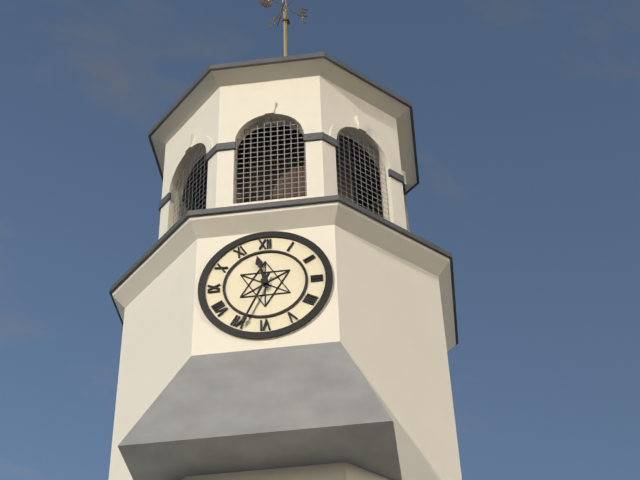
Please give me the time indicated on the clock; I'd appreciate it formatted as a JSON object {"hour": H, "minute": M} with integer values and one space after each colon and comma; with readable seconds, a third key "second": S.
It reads {"hour": 11, "minute": 34}
